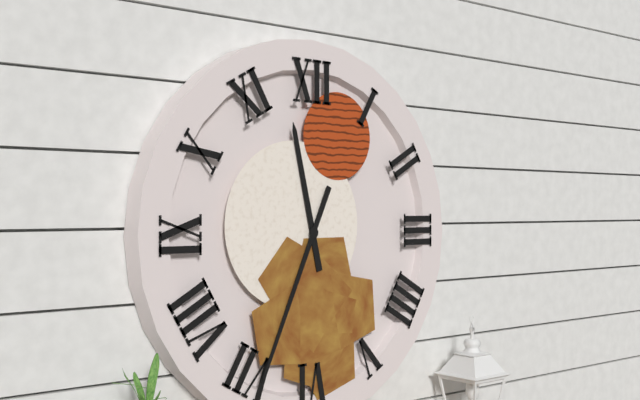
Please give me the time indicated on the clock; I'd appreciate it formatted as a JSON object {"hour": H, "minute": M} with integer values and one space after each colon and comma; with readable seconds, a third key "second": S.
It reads {"hour": 11, "minute": 34}
